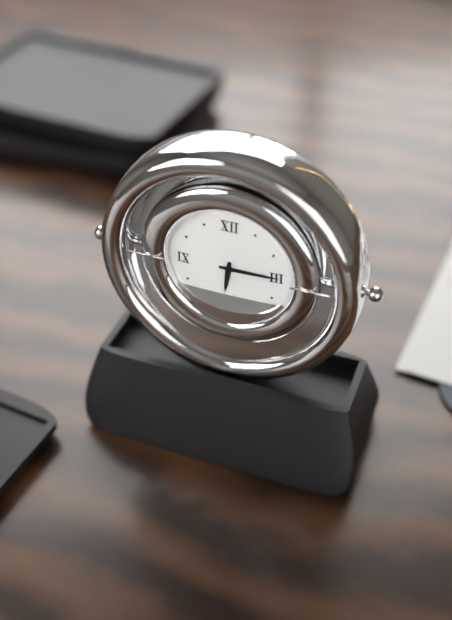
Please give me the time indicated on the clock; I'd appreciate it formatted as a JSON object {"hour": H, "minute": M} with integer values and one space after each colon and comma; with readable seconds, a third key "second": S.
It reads {"hour": 6, "minute": 15}
